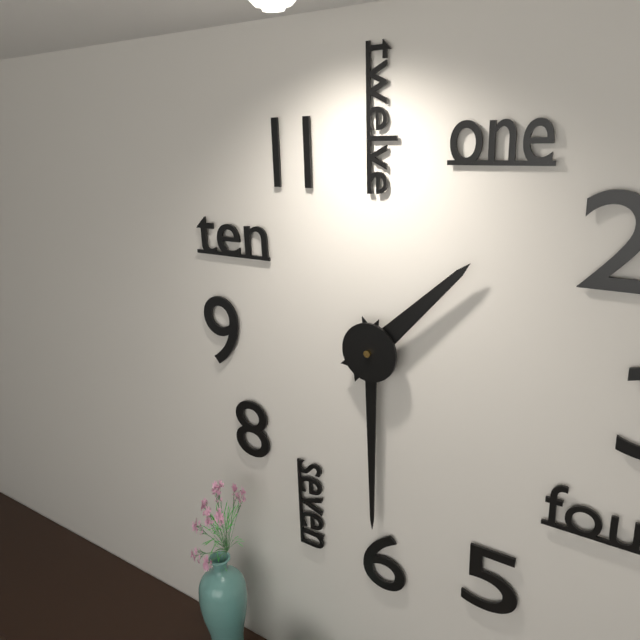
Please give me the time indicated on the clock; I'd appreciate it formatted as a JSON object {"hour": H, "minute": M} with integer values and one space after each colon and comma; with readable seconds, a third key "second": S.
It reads {"hour": 1, "minute": 30}
